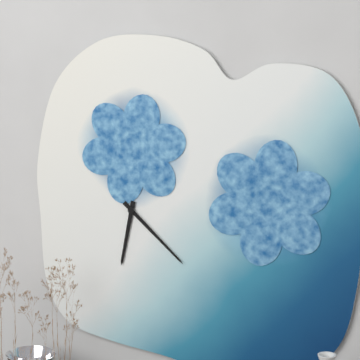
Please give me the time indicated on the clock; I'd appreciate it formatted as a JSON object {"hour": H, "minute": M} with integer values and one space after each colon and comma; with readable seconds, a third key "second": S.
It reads {"hour": 6, "minute": 22}
